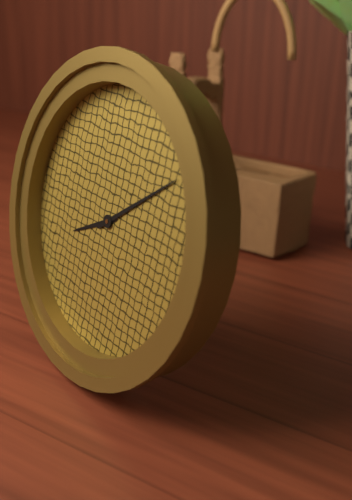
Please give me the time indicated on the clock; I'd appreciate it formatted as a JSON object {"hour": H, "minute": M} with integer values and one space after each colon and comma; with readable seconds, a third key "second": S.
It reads {"hour": 8, "minute": 9}
